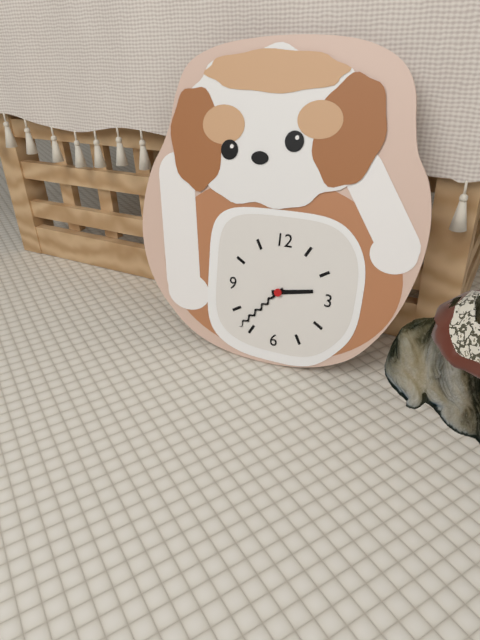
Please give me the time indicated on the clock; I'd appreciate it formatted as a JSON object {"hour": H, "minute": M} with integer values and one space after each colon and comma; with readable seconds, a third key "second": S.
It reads {"hour": 2, "minute": 37}
